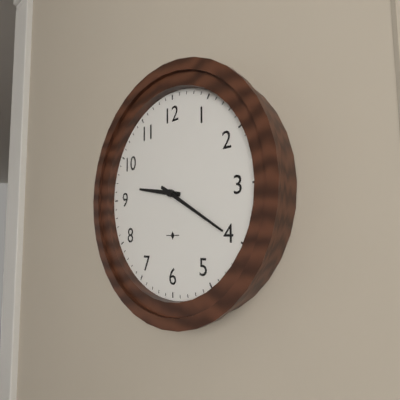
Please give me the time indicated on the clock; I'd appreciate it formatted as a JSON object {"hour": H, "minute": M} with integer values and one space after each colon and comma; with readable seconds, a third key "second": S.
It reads {"hour": 9, "minute": 20}
